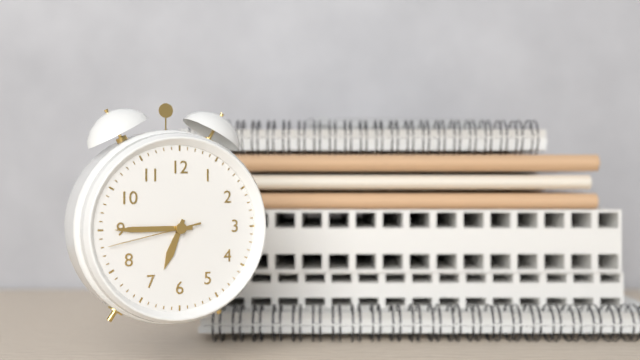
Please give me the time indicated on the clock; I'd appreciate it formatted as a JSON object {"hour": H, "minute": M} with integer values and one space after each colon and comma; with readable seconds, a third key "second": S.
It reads {"hour": 6, "minute": 45, "second": 43}
